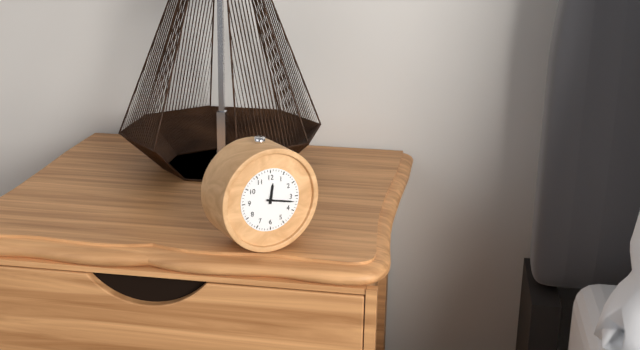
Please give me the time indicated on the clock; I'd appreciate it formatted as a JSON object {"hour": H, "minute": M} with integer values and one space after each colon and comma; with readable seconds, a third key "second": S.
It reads {"hour": 12, "minute": 17}
